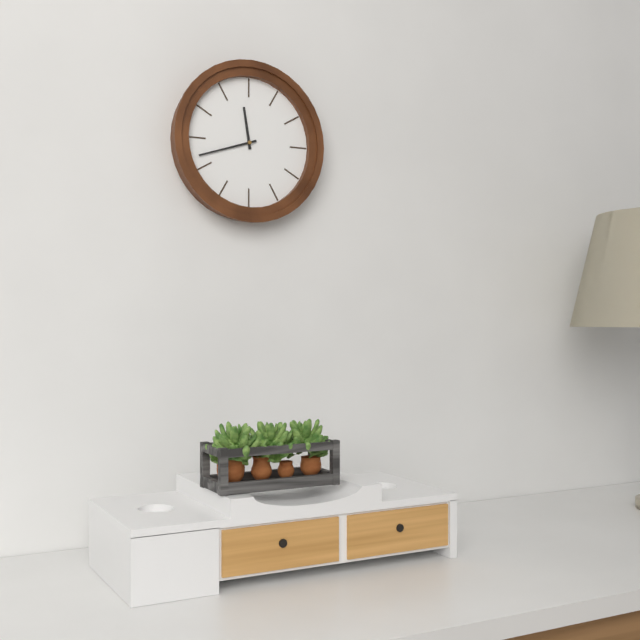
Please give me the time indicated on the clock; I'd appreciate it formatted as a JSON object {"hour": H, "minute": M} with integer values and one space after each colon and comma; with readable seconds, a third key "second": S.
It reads {"hour": 11, "minute": 42}
